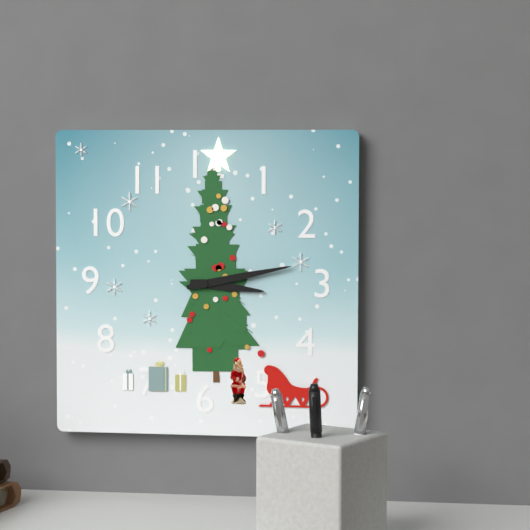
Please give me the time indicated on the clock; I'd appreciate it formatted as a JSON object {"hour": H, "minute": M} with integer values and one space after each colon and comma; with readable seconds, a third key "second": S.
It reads {"hour": 3, "minute": 13}
